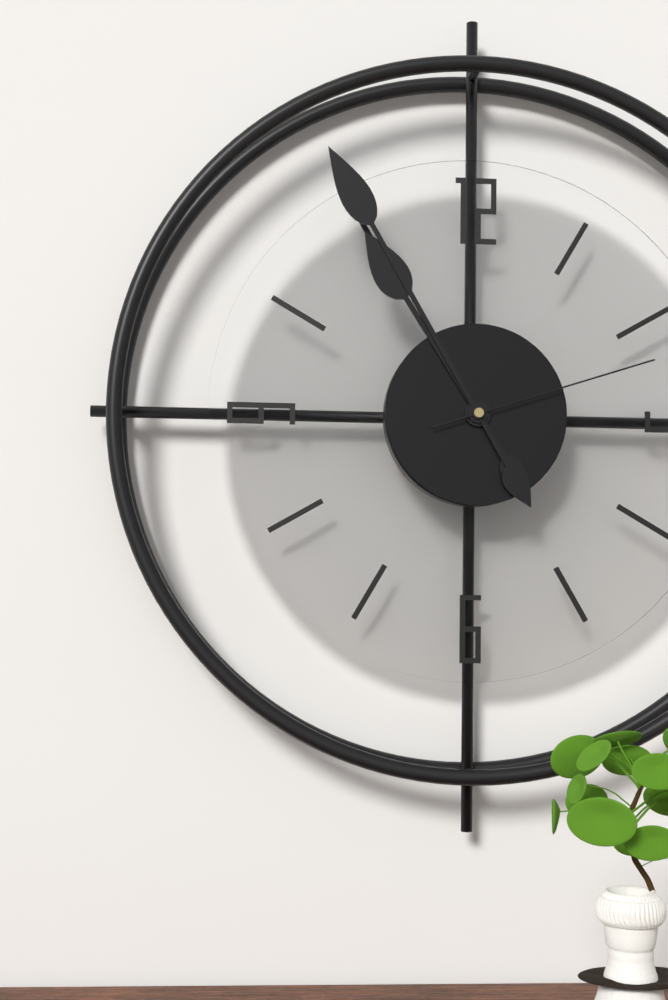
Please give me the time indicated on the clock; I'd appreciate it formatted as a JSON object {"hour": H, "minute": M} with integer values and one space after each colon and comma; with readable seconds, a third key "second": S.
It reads {"hour": 10, "minute": 55, "second": 12}
